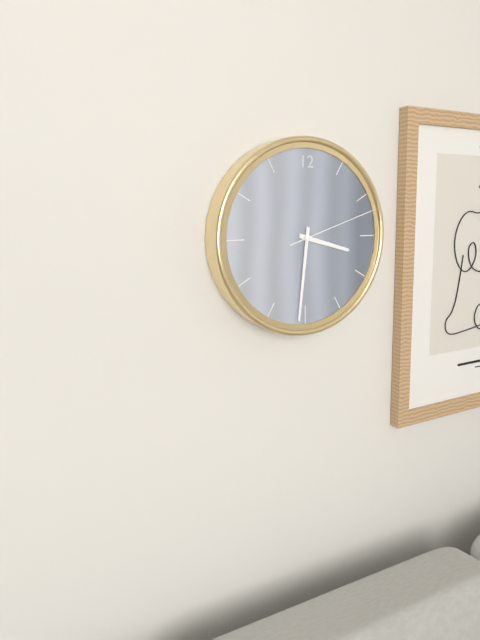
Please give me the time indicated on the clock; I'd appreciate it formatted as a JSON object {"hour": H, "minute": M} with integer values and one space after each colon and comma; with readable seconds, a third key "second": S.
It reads {"hour": 3, "minute": 31, "second": 12}
